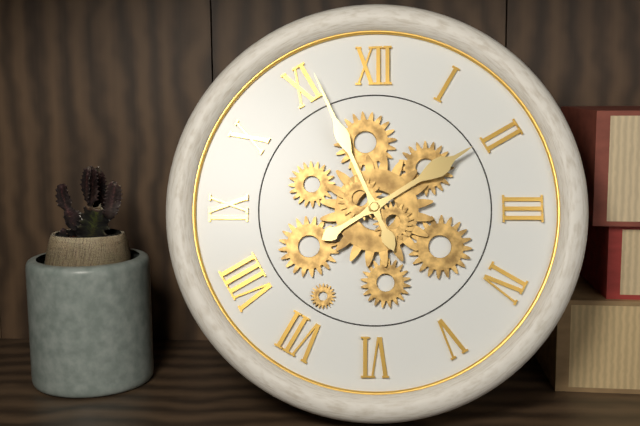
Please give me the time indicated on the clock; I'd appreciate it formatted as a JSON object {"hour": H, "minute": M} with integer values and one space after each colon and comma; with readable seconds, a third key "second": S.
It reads {"hour": 1, "minute": 56}
